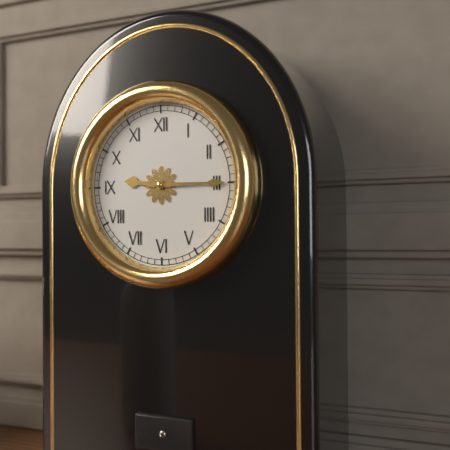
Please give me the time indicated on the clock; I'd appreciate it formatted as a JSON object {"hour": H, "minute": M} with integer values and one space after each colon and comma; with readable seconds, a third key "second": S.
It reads {"hour": 9, "minute": 15}
